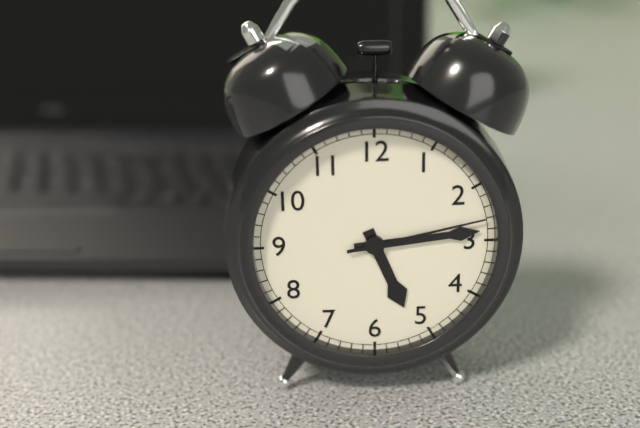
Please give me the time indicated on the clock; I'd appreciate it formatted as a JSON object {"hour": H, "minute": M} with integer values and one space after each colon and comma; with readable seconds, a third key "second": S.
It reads {"hour": 5, "minute": 14, "second": 13}
